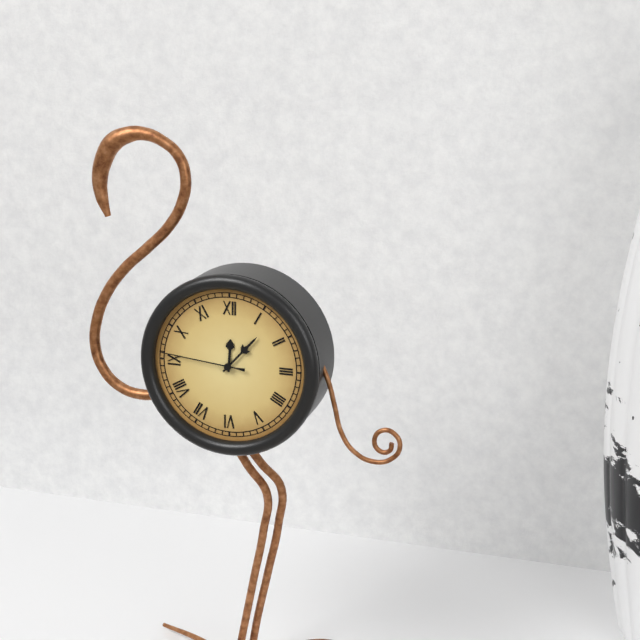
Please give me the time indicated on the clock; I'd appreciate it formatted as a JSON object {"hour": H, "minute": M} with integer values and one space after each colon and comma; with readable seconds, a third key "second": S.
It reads {"hour": 12, "minute": 7, "second": 46}
